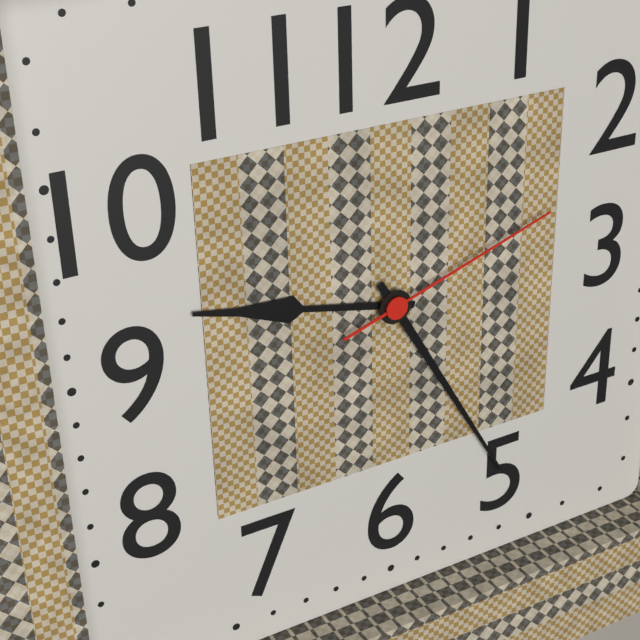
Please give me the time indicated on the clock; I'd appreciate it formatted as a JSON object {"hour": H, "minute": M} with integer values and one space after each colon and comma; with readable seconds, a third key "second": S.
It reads {"hour": 9, "minute": 25, "second": 12}
